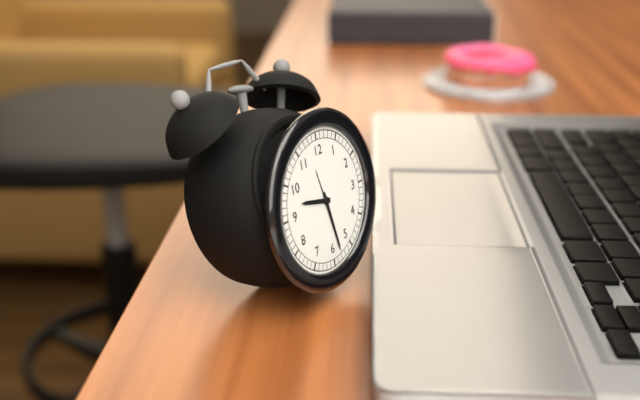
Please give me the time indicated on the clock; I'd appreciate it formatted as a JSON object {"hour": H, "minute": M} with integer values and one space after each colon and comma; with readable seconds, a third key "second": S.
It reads {"hour": 9, "minute": 28}
